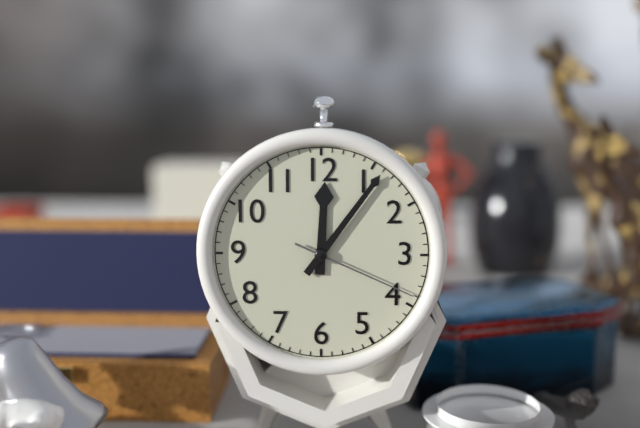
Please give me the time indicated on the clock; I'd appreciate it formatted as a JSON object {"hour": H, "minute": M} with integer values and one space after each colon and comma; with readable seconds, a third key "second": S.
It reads {"hour": 12, "minute": 6, "second": 19}
